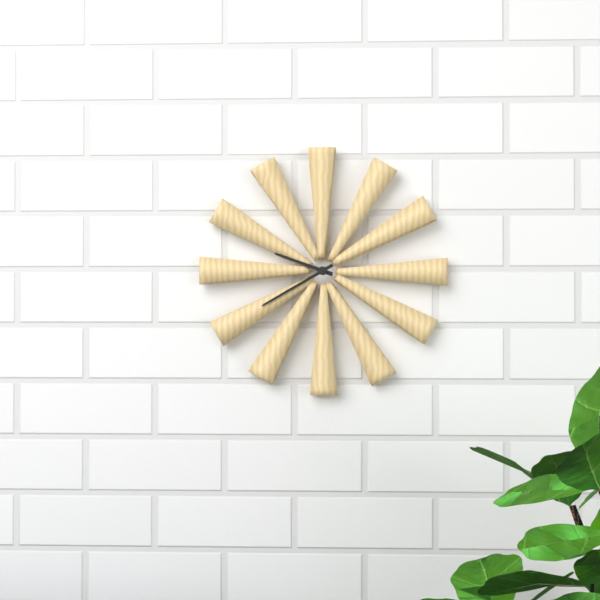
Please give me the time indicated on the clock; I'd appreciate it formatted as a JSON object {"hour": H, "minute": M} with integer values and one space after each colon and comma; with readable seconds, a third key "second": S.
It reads {"hour": 9, "minute": 40}
